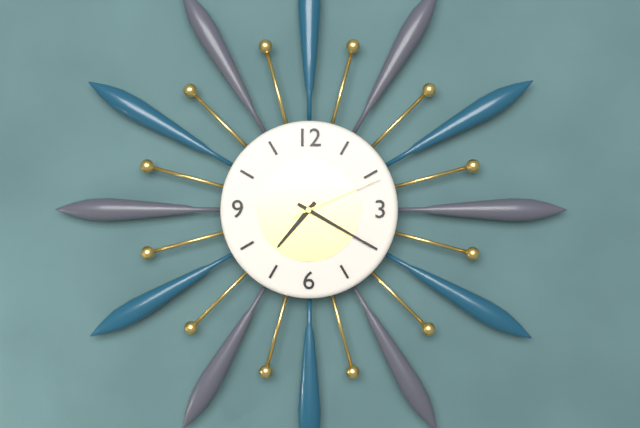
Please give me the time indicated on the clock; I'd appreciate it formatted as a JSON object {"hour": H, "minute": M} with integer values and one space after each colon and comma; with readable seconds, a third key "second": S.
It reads {"hour": 7, "minute": 20, "second": 11}
